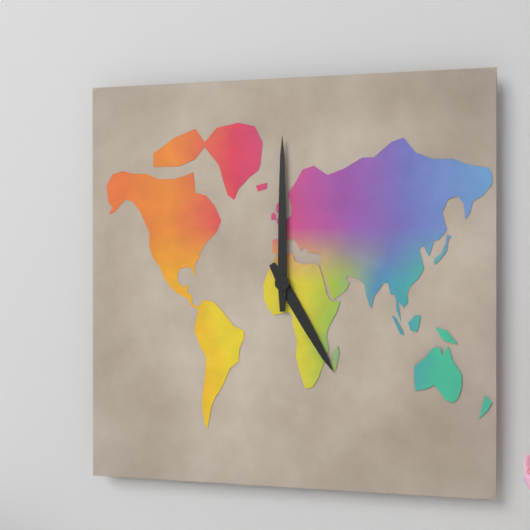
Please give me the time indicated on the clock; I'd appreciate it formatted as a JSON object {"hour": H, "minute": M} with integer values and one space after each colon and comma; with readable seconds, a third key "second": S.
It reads {"hour": 5, "minute": 0}
